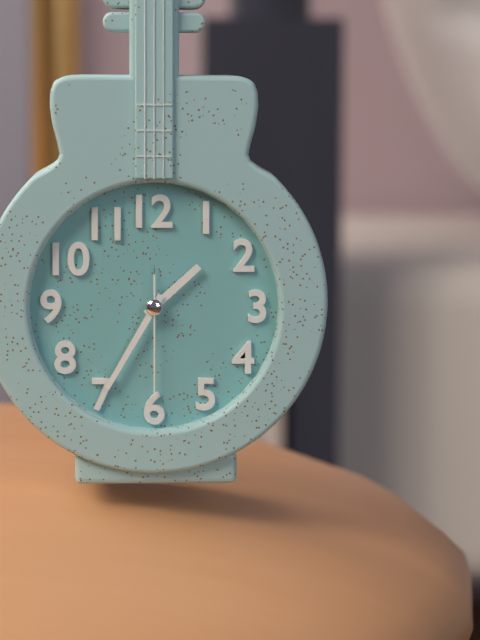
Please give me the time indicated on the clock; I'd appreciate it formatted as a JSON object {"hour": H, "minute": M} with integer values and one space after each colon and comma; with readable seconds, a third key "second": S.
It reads {"hour": 1, "minute": 35, "second": 30}
